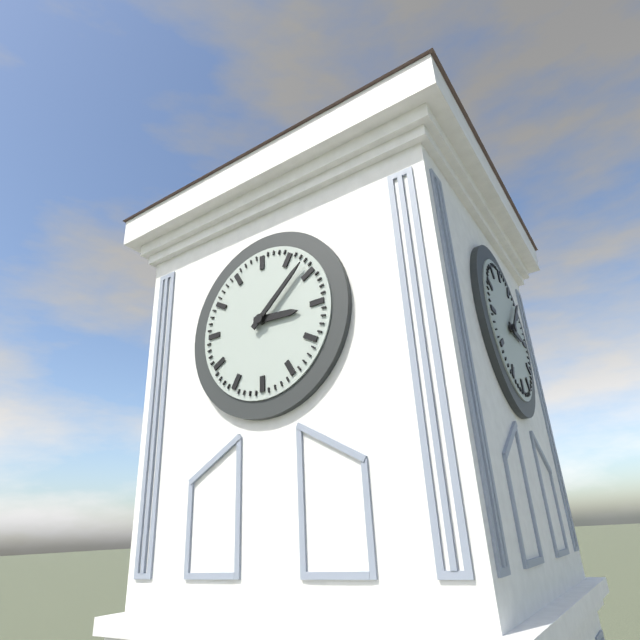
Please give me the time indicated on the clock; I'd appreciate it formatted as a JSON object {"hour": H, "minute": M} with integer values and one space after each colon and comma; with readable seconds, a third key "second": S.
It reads {"hour": 3, "minute": 8}
